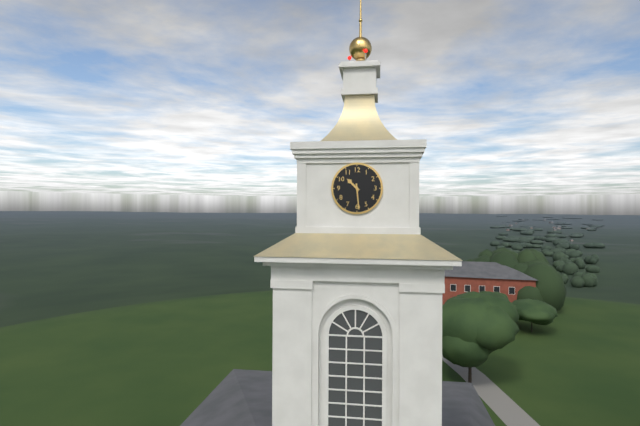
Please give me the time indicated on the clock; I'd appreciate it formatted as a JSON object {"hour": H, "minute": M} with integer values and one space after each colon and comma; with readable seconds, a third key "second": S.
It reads {"hour": 10, "minute": 29}
